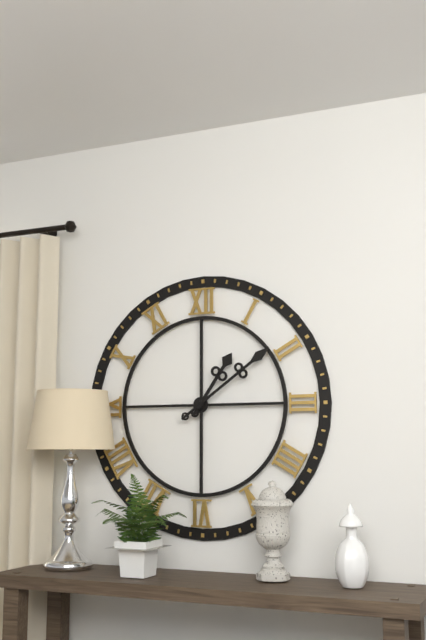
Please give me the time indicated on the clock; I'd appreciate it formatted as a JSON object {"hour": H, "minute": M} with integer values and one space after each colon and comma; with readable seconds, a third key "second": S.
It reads {"hour": 1, "minute": 9}
